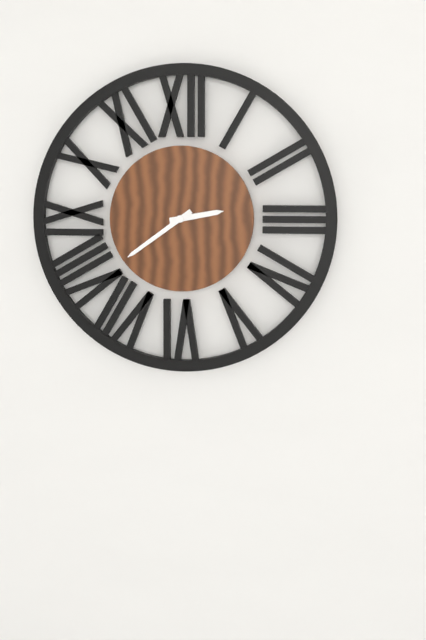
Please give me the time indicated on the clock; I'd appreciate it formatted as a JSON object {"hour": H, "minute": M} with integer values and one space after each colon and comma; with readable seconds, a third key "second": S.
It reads {"hour": 2, "minute": 39}
